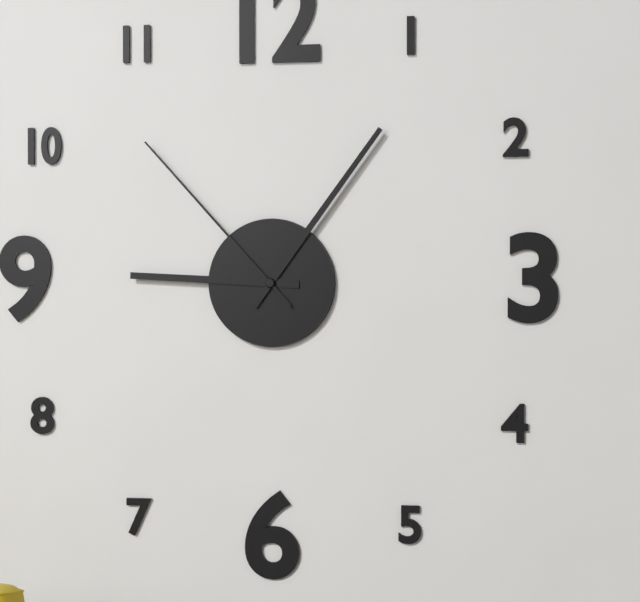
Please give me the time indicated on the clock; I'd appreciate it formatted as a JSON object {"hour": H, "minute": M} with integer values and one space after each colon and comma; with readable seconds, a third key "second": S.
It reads {"hour": 9, "minute": 6, "second": 53}
